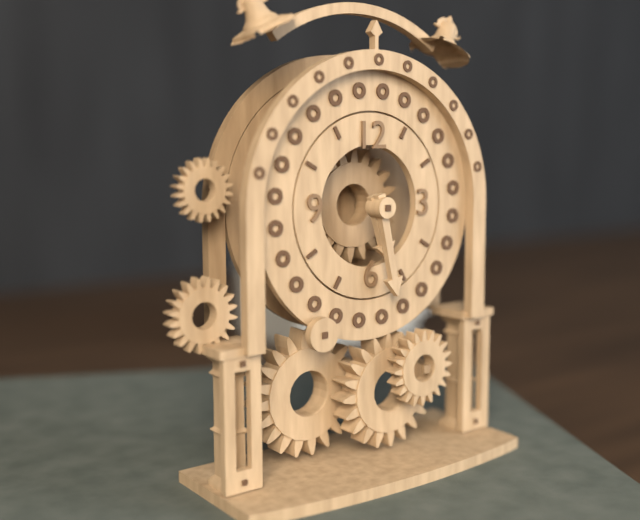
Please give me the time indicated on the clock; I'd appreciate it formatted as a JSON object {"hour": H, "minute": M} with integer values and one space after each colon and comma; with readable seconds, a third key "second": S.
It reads {"hour": 5, "minute": 28}
